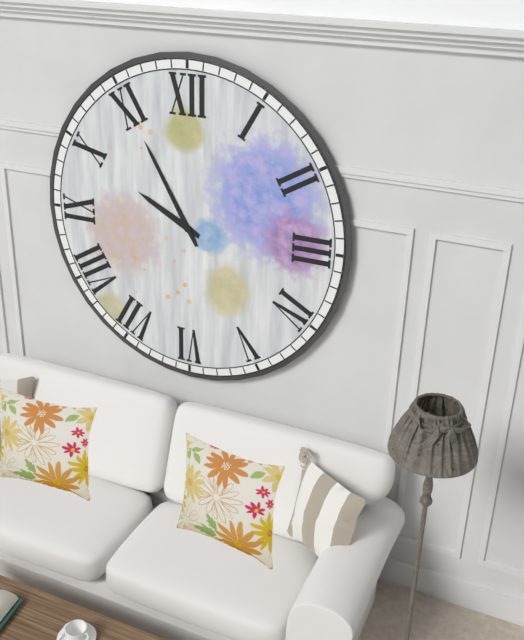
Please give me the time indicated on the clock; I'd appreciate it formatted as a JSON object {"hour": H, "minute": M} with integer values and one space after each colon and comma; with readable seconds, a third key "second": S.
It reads {"hour": 9, "minute": 55}
